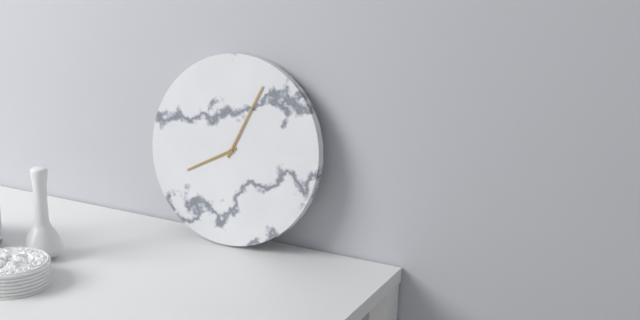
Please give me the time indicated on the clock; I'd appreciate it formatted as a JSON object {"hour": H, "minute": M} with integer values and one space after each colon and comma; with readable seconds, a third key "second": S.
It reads {"hour": 8, "minute": 4}
